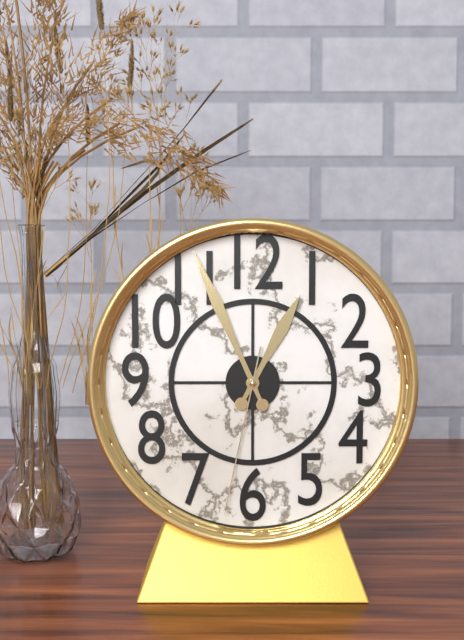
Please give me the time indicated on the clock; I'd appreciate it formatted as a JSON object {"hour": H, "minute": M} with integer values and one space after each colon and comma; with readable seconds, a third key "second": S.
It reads {"hour": 12, "minute": 56, "second": 32}
